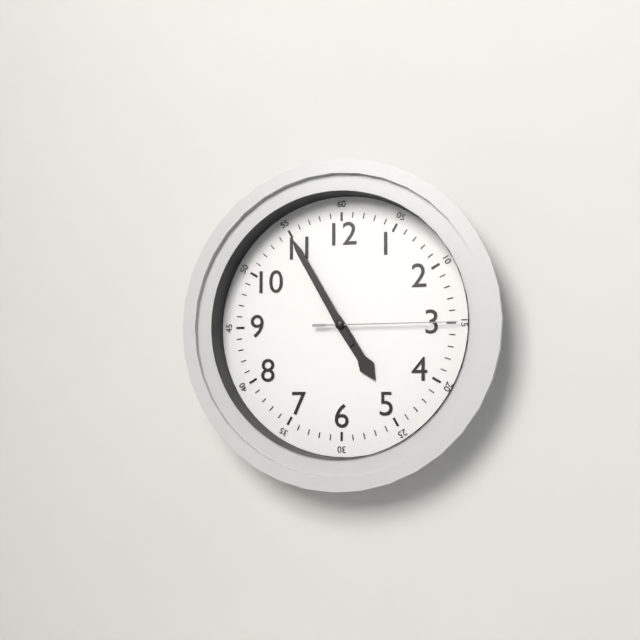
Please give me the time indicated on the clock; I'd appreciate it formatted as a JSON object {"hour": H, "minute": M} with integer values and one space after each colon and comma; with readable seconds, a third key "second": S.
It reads {"hour": 4, "minute": 55, "second": 15}
